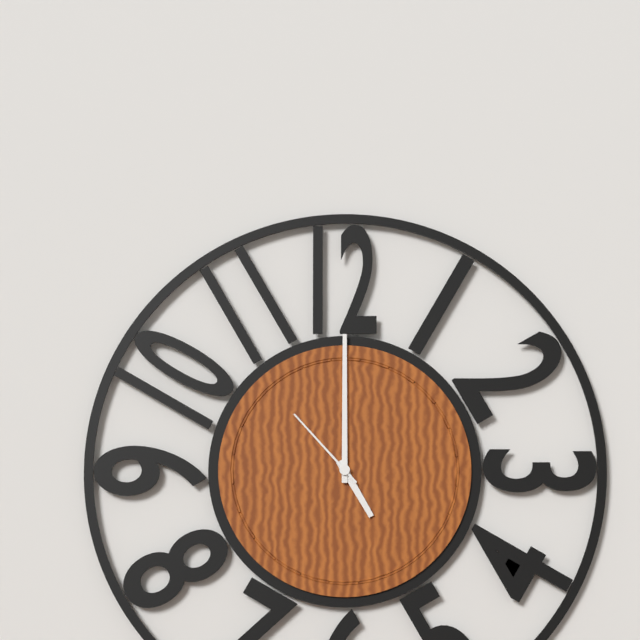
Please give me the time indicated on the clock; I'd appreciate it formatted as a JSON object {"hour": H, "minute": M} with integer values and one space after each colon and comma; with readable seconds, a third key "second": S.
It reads {"hour": 5, "minute": 0, "second": 53}
